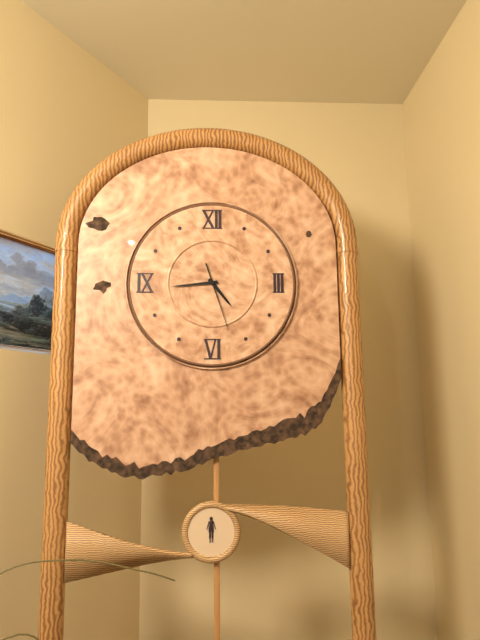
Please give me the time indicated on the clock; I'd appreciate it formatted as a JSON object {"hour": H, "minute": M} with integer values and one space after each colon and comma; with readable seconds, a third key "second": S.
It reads {"hour": 4, "minute": 44, "second": 27}
